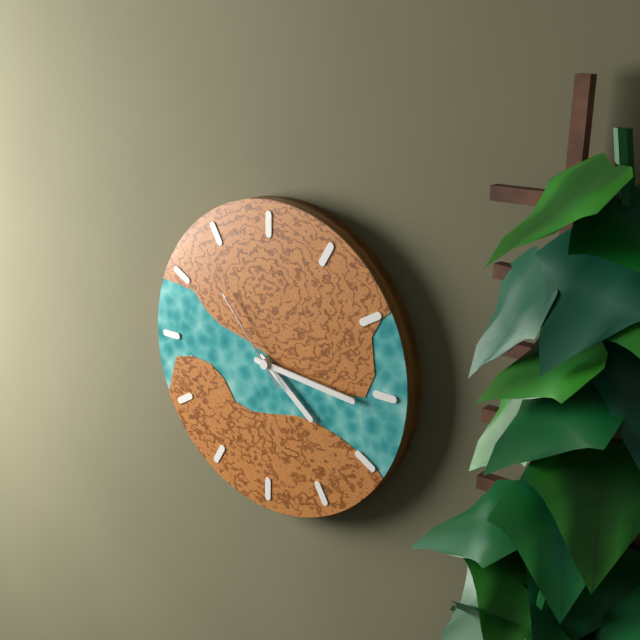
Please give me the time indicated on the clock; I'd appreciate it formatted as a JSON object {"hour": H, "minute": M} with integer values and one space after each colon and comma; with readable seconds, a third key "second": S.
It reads {"hour": 4, "minute": 16, "second": 53}
